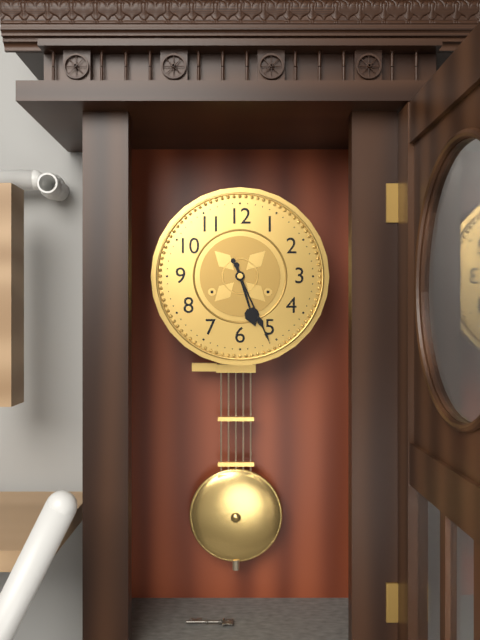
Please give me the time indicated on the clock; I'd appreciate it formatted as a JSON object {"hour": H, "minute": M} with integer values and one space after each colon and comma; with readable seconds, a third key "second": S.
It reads {"hour": 5, "minute": 26}
